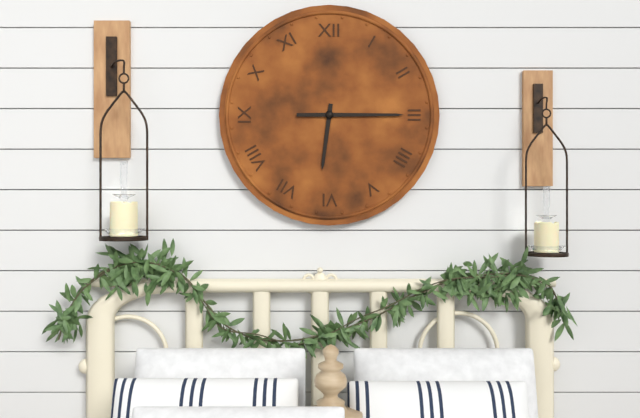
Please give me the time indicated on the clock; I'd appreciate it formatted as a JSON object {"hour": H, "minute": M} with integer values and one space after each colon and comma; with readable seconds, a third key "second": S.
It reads {"hour": 6, "minute": 15}
